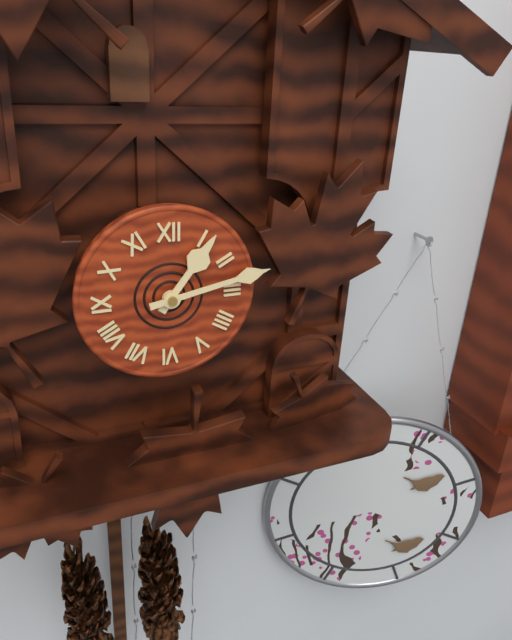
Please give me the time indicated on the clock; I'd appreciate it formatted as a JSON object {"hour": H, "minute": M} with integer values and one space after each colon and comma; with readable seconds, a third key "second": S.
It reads {"hour": 1, "minute": 13}
